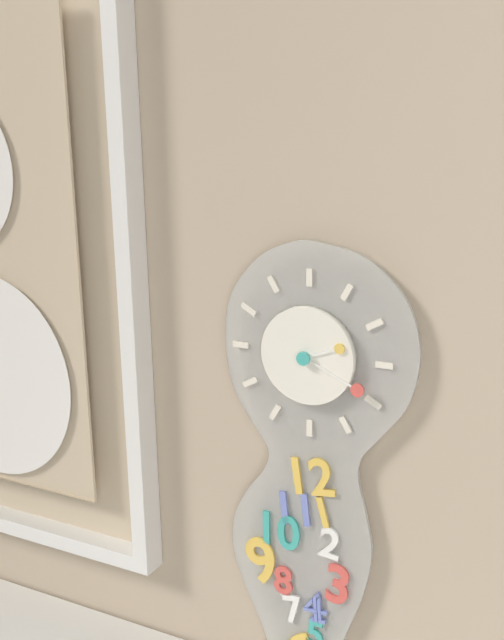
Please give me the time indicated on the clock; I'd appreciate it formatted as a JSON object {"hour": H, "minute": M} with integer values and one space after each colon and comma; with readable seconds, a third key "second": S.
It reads {"hour": 2, "minute": 19}
